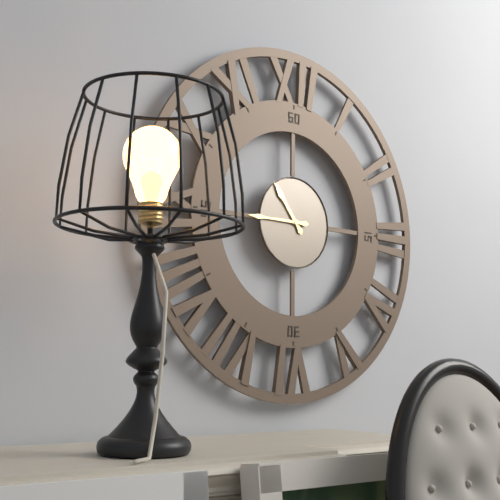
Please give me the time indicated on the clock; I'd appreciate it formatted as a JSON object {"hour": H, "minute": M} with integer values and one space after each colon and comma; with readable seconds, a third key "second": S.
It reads {"hour": 10, "minute": 45}
